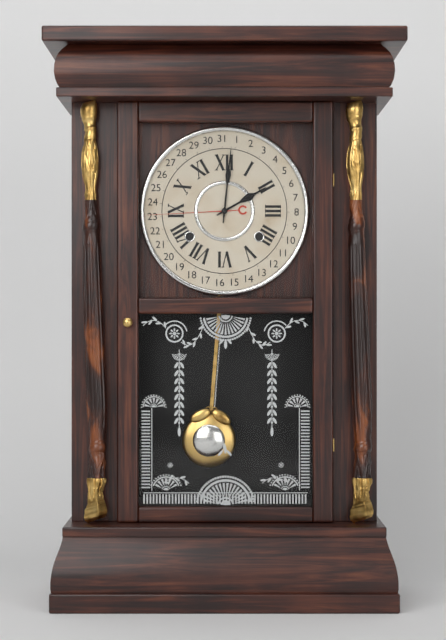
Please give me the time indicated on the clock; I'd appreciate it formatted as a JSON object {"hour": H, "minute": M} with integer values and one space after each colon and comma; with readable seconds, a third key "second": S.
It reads {"hour": 2, "minute": 1}
